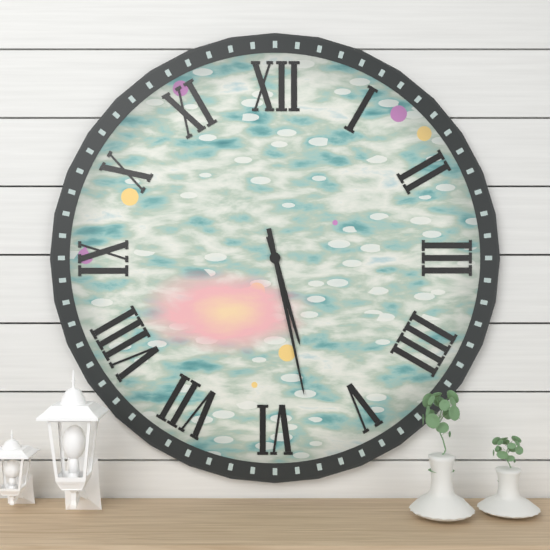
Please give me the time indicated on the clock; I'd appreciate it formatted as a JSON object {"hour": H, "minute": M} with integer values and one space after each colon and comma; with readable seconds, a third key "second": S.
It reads {"hour": 5, "minute": 28}
